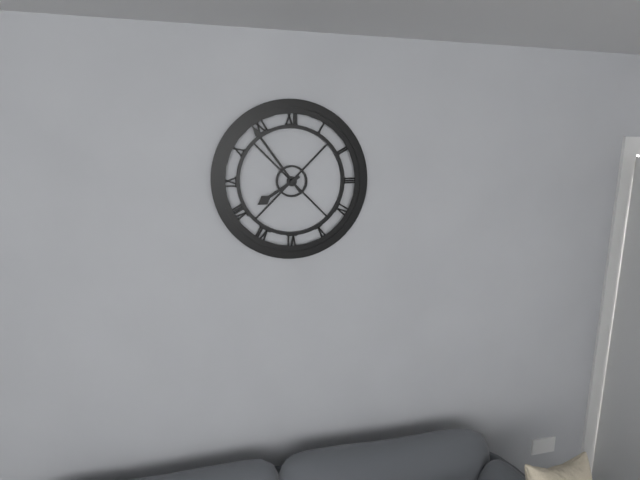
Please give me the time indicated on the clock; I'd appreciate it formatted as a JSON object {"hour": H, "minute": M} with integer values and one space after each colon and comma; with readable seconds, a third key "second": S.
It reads {"hour": 7, "minute": 54}
